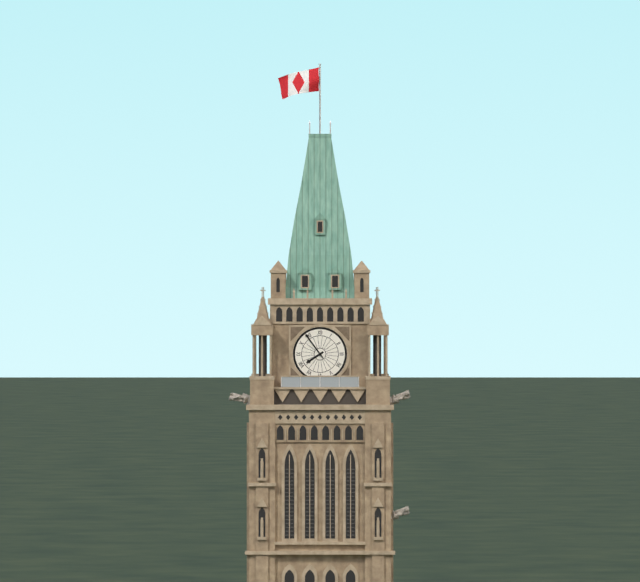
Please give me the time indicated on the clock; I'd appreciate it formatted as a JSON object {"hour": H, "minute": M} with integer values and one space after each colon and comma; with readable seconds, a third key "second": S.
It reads {"hour": 7, "minute": 54}
